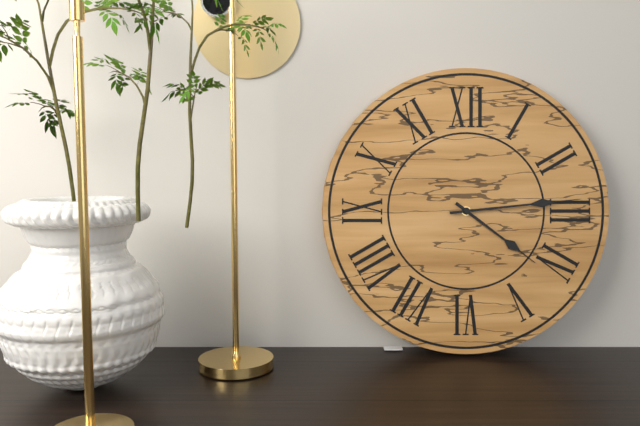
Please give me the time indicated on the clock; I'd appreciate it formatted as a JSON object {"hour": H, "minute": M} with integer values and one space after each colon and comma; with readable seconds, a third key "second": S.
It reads {"hour": 4, "minute": 14}
